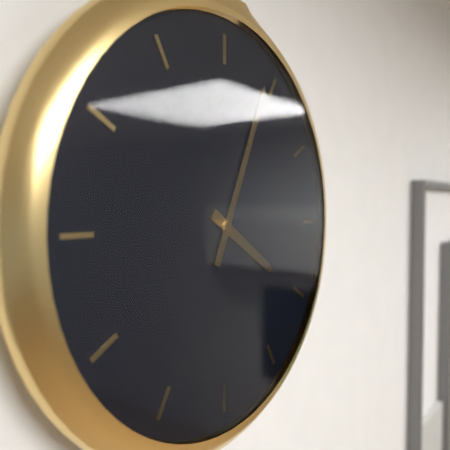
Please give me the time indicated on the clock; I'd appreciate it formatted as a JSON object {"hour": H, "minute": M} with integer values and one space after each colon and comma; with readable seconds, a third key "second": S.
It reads {"hour": 4, "minute": 4}
